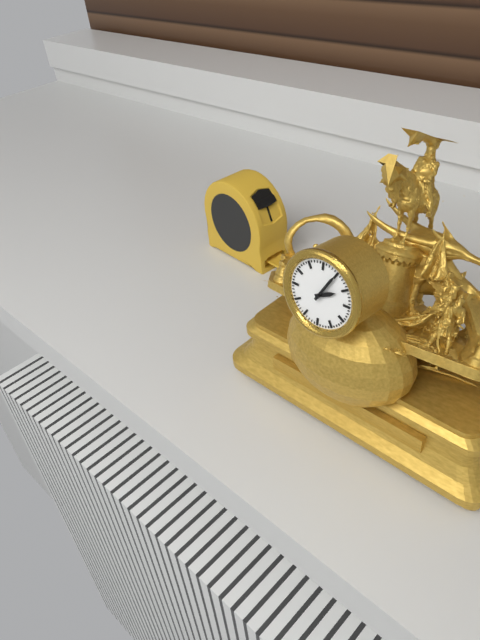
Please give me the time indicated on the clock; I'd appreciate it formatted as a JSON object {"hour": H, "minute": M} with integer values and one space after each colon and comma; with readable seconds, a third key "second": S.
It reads {"hour": 2, "minute": 5}
